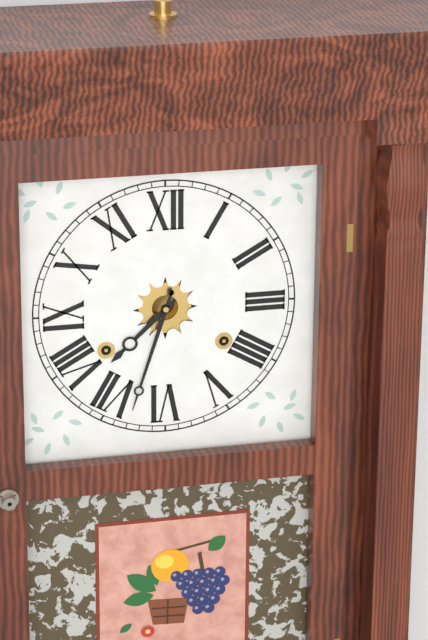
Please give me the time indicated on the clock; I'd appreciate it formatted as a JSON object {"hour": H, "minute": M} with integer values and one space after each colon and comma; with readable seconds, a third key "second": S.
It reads {"hour": 7, "minute": 33}
